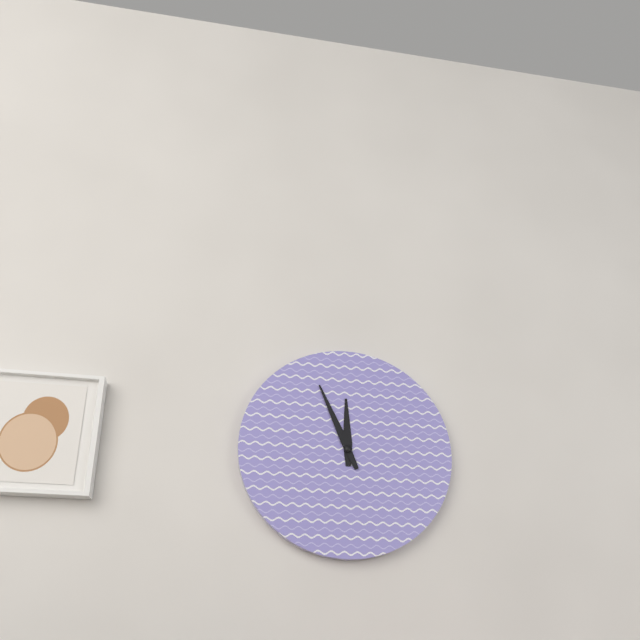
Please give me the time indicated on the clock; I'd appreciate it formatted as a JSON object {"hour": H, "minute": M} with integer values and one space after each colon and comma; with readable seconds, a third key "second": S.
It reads {"hour": 11, "minute": 56}
